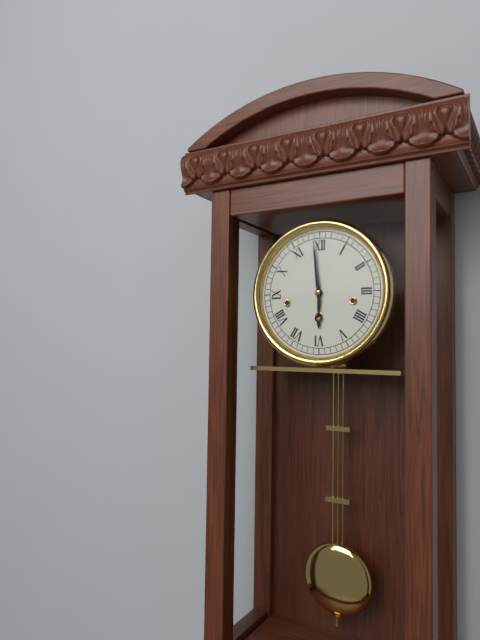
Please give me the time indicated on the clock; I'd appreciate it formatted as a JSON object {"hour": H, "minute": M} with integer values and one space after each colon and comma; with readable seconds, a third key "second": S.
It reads {"hour": 5, "minute": 59}
